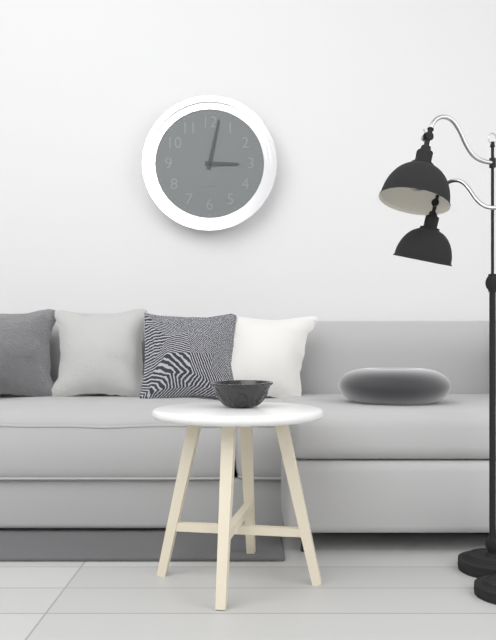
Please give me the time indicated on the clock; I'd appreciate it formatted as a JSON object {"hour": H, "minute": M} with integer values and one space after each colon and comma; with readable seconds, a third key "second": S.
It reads {"hour": 3, "minute": 2}
